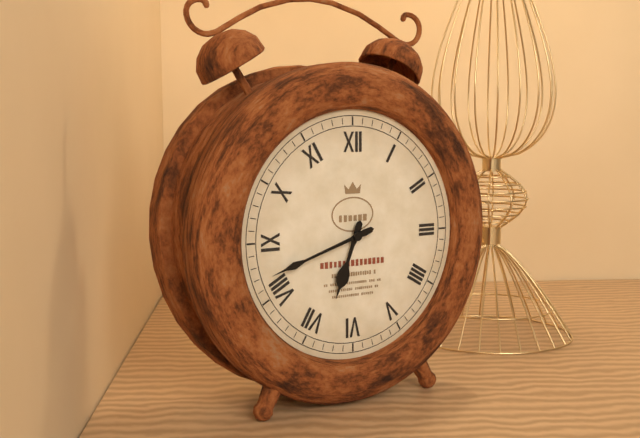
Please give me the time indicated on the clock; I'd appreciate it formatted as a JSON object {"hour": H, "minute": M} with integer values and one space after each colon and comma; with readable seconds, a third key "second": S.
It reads {"hour": 6, "minute": 42}
